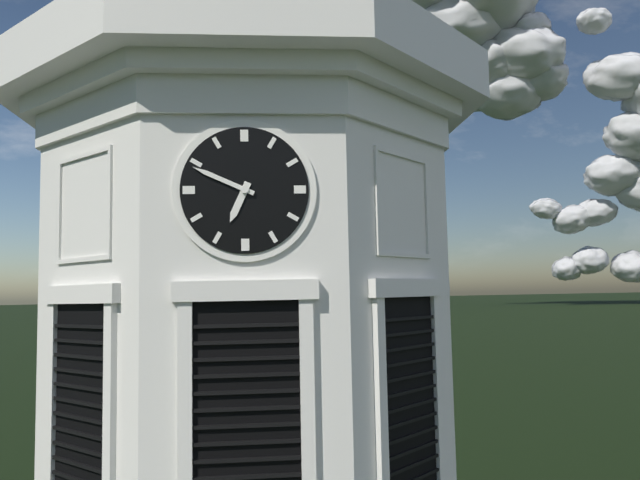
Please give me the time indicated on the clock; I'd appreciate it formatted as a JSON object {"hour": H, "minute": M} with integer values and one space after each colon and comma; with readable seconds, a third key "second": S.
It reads {"hour": 6, "minute": 49}
